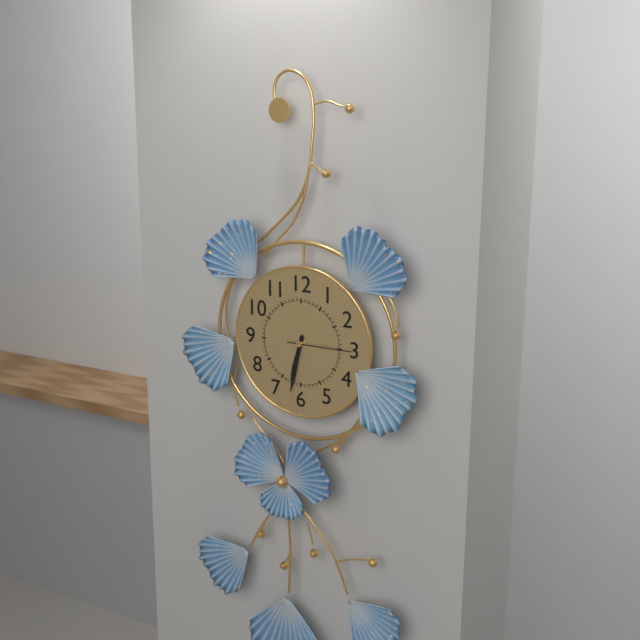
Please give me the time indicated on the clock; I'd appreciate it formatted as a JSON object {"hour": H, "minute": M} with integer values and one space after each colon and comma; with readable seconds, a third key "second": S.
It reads {"hour": 6, "minute": 32, "second": 15}
